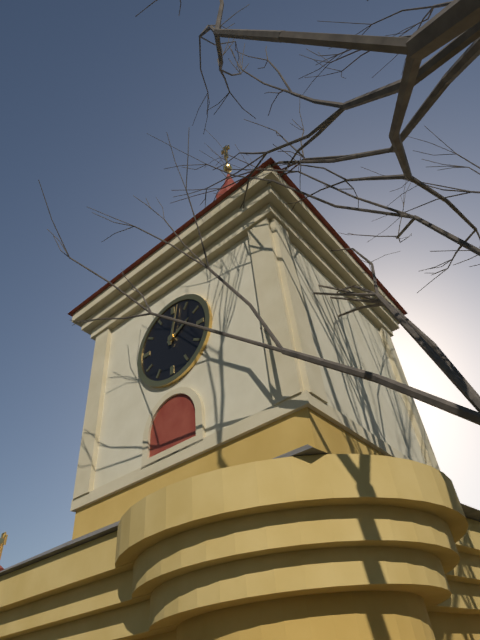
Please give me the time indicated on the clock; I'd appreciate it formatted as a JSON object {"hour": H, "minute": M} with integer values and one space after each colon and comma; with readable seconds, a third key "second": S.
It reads {"hour": 2, "minute": 2}
